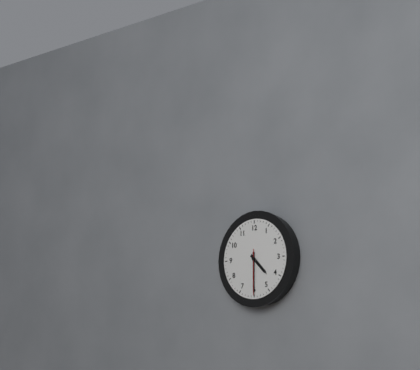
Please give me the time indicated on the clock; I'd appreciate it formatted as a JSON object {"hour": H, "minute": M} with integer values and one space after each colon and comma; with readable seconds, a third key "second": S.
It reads {"hour": 4, "minute": 30}
